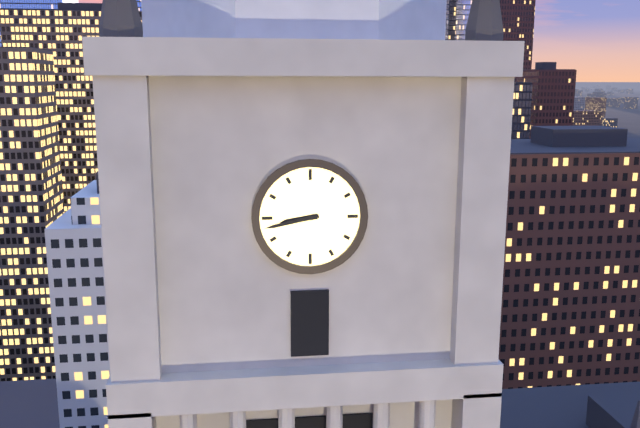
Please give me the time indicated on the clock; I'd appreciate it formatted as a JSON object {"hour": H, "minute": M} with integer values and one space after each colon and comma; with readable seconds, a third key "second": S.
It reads {"hour": 8, "minute": 43}
